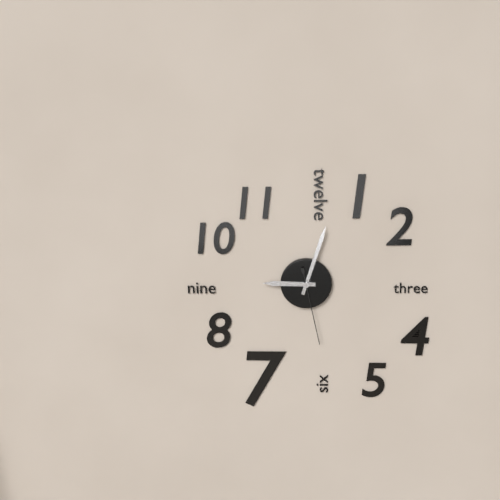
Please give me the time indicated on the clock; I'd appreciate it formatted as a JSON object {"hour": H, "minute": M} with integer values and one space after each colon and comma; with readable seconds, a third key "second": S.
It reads {"hour": 9, "minute": 3, "second": 28}
